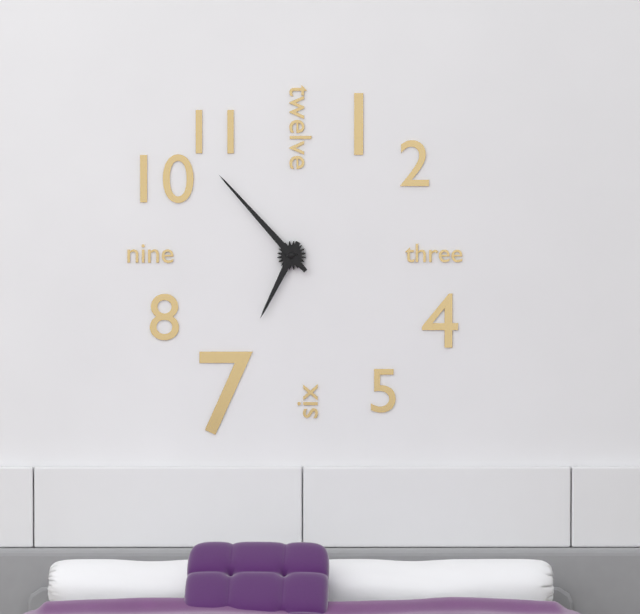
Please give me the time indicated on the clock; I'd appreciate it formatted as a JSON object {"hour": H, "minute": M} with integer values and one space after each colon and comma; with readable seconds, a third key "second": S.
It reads {"hour": 6, "minute": 53}
